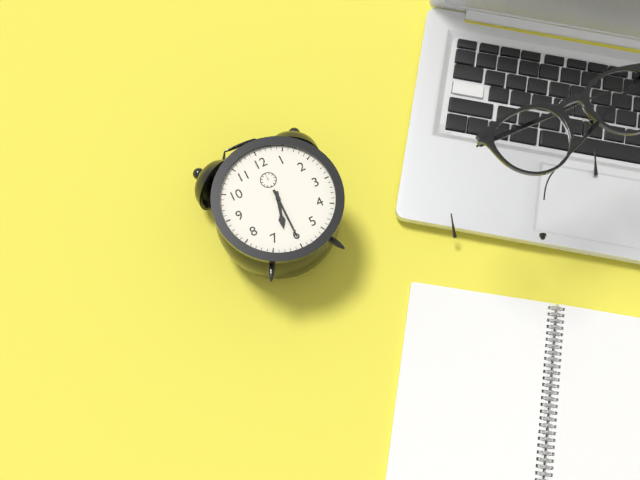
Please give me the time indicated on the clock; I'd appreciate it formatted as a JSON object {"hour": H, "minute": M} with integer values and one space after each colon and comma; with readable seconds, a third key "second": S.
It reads {"hour": 6, "minute": 30}
